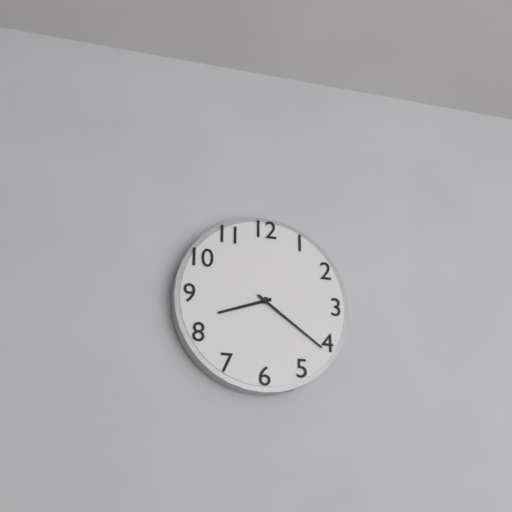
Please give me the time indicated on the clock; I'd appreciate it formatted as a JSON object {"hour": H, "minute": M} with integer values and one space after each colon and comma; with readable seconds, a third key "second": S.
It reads {"hour": 8, "minute": 21}
